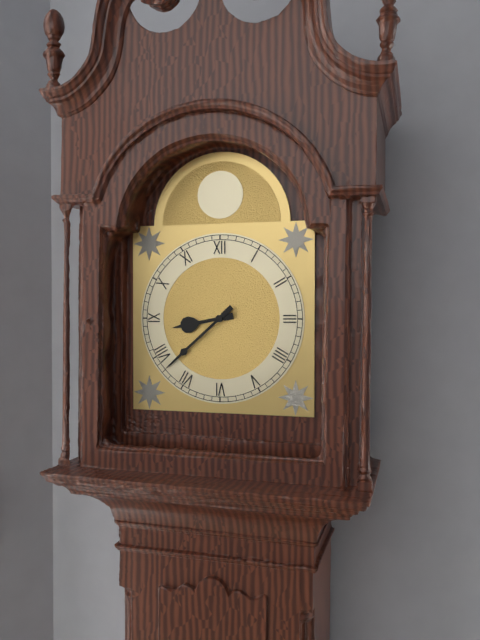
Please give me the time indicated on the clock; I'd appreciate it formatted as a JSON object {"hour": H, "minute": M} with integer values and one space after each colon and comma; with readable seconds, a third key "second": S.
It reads {"hour": 8, "minute": 38}
